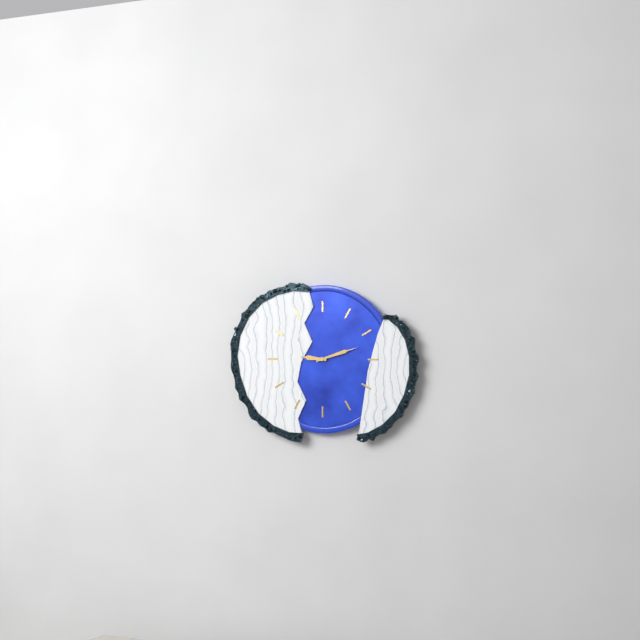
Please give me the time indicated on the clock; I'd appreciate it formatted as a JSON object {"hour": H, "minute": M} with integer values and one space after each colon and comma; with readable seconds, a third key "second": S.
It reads {"hour": 9, "minute": 12}
